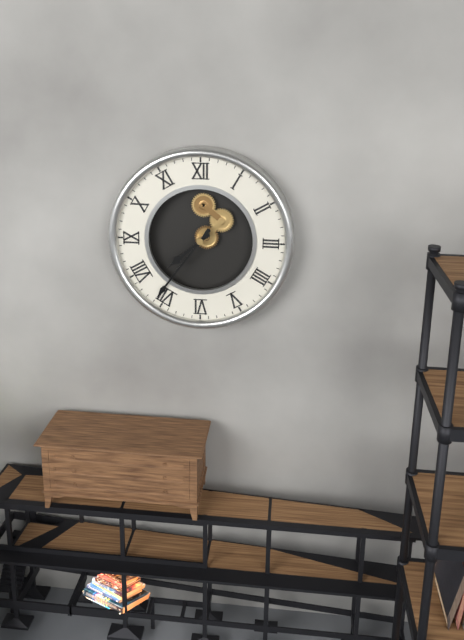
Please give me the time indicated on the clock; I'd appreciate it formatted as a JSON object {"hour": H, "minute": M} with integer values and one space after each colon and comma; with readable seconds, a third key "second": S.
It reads {"hour": 7, "minute": 36}
